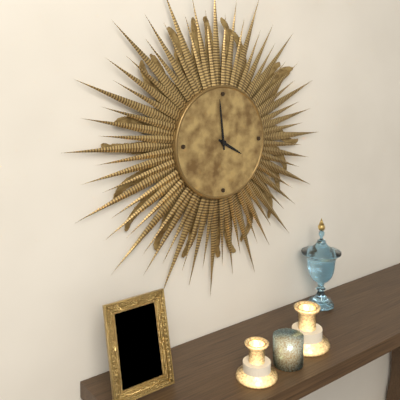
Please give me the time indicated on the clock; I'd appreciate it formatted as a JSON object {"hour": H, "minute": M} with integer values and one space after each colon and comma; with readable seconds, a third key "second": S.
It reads {"hour": 3, "minute": 59}
